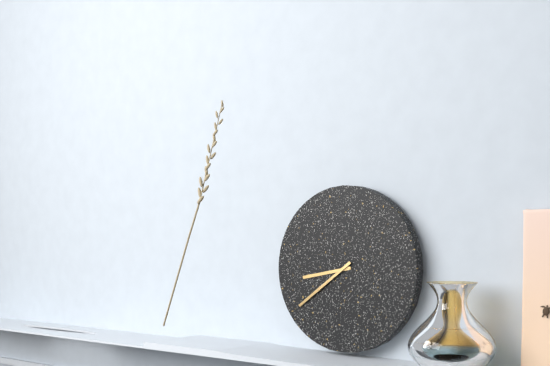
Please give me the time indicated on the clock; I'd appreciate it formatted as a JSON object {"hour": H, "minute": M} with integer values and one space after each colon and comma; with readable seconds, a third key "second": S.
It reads {"hour": 8, "minute": 39}
